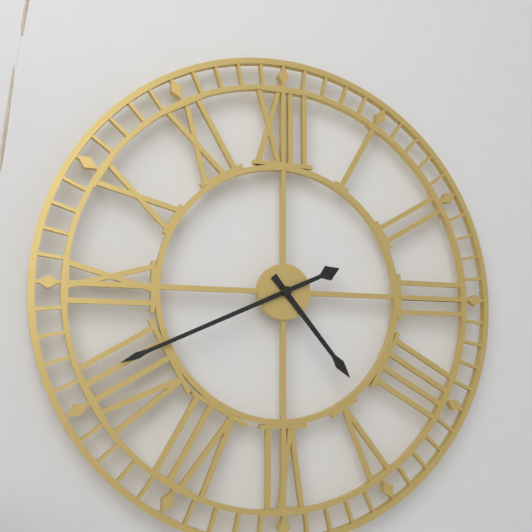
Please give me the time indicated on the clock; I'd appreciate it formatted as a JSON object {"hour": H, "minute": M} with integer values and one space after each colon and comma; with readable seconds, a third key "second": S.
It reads {"hour": 4, "minute": 41}
